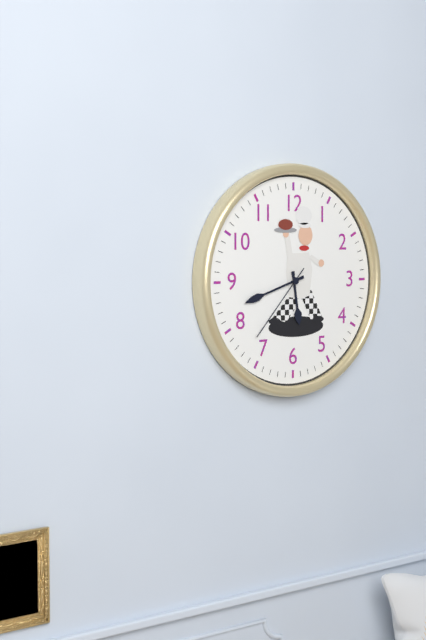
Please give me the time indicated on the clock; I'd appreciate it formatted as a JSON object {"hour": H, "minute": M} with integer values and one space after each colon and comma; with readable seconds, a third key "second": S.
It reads {"hour": 5, "minute": 42, "second": 37}
